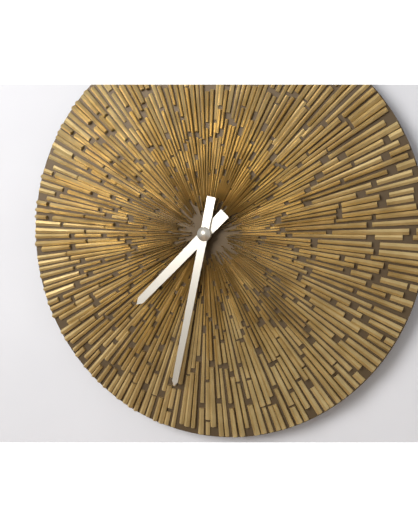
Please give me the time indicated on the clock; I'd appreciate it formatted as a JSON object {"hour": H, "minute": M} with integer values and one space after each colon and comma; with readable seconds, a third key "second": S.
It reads {"hour": 7, "minute": 32}
